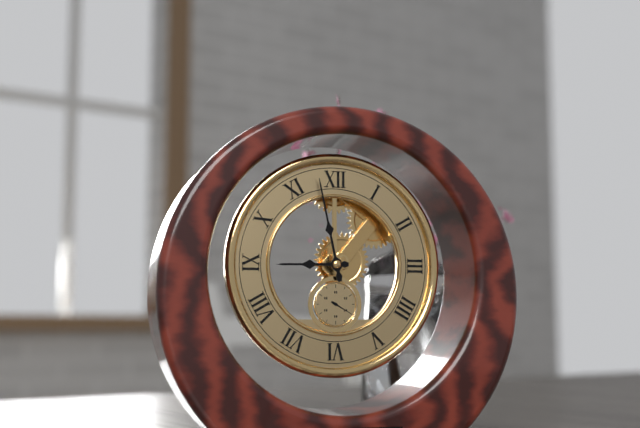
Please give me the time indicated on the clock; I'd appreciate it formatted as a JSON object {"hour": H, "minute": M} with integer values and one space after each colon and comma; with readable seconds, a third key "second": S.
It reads {"hour": 8, "minute": 58}
